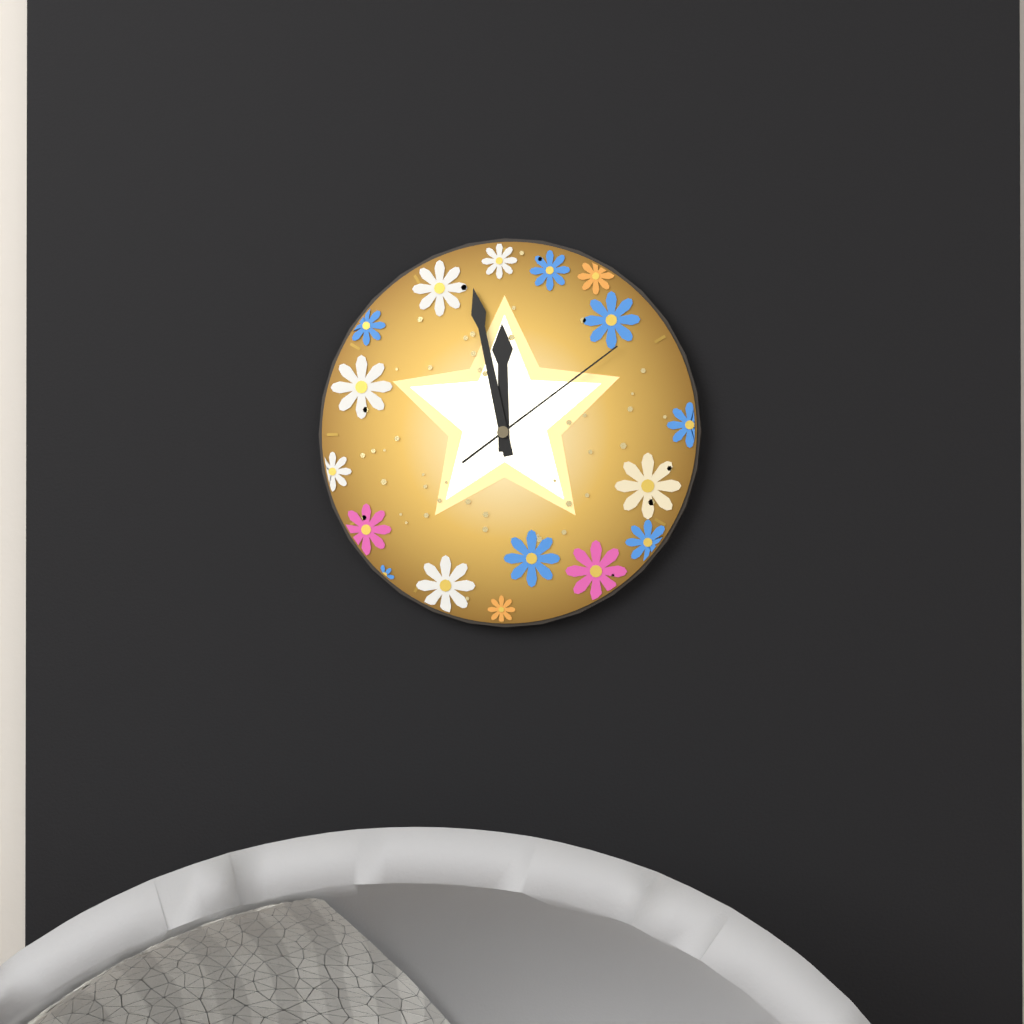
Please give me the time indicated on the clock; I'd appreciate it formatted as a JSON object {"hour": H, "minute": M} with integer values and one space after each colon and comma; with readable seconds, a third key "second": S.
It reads {"hour": 11, "minute": 58, "second": 9}
